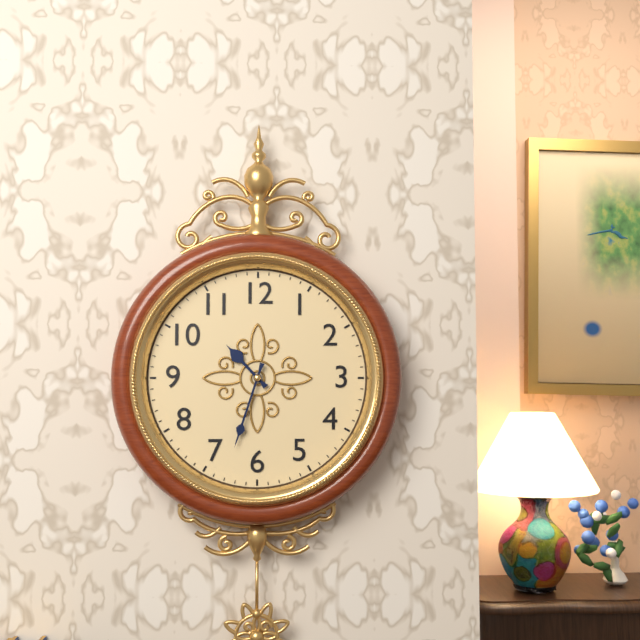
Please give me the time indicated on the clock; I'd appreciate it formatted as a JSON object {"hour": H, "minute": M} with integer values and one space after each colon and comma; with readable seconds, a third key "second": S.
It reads {"hour": 10, "minute": 33}
